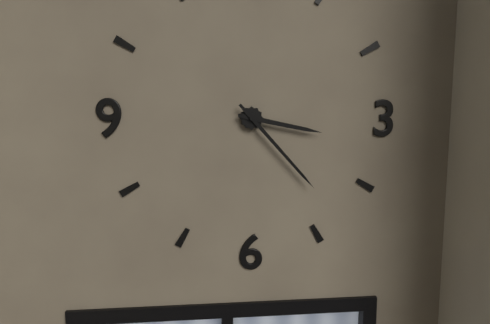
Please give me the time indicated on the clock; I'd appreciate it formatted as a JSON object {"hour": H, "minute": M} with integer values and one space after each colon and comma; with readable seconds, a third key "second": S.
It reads {"hour": 3, "minute": 23}
